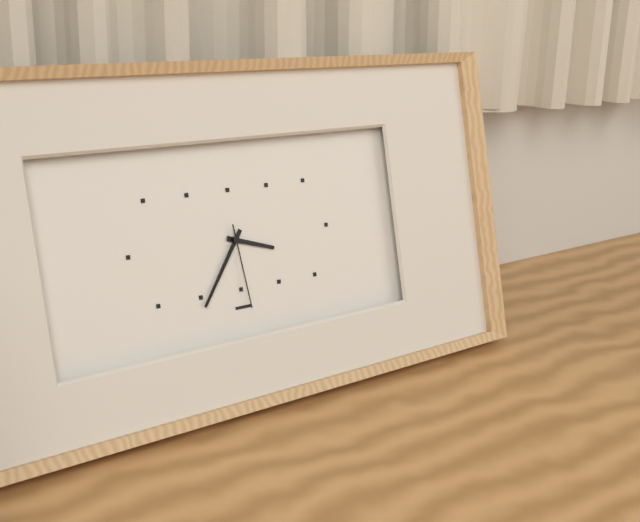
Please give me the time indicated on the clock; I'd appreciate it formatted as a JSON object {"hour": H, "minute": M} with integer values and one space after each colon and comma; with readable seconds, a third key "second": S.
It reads {"hour": 3, "minute": 36, "second": 29}
